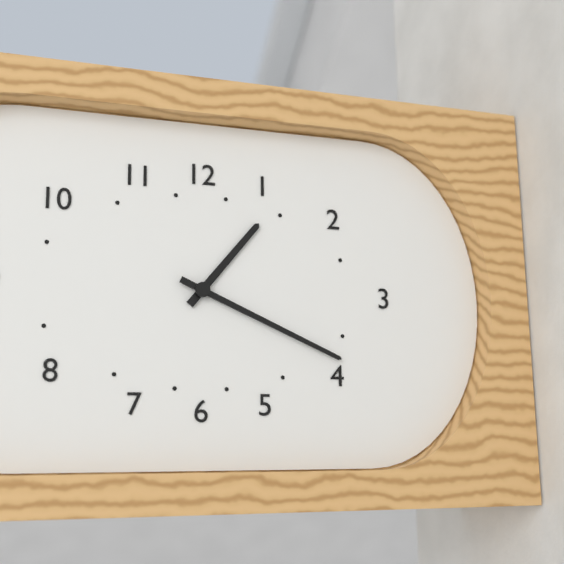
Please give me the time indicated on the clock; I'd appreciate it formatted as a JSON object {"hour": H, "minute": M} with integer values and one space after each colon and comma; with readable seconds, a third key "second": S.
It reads {"hour": 1, "minute": 19}
